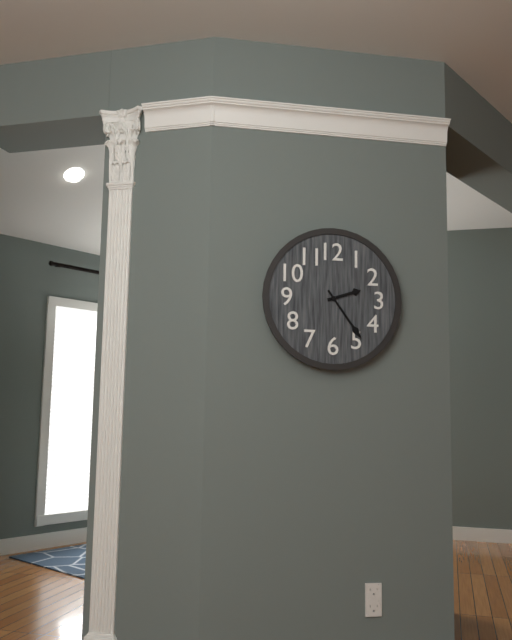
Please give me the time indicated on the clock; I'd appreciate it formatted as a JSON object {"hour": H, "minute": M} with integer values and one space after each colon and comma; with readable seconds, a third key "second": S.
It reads {"hour": 2, "minute": 24}
